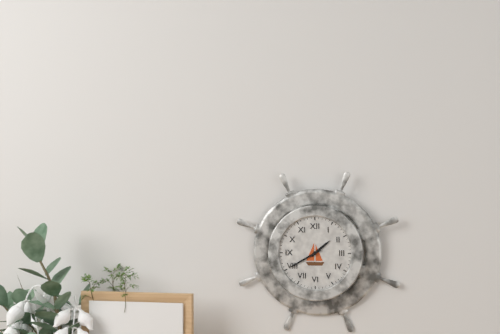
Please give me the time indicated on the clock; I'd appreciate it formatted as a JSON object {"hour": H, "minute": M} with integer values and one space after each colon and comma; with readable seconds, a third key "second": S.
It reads {"hour": 1, "minute": 40}
